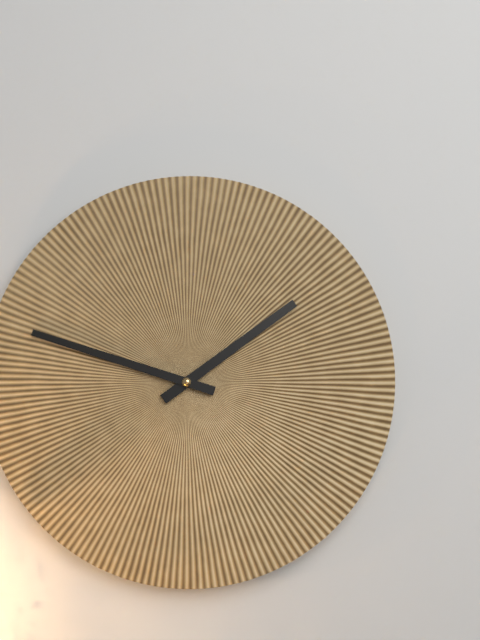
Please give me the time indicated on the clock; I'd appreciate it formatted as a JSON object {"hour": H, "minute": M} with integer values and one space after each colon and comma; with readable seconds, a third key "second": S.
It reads {"hour": 1, "minute": 48}
